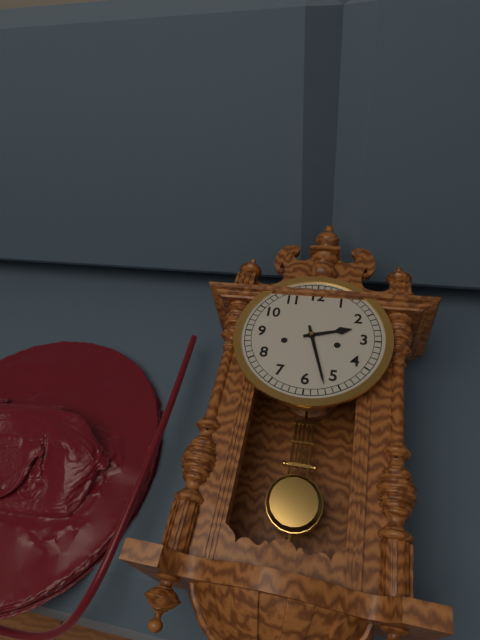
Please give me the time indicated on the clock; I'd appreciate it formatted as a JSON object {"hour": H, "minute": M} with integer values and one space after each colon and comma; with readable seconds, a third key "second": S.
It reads {"hour": 2, "minute": 27}
